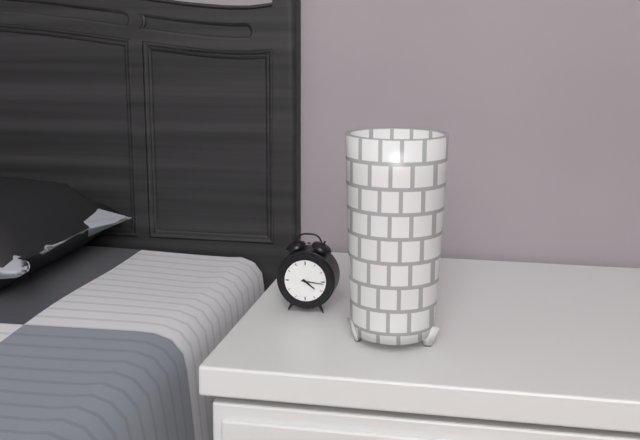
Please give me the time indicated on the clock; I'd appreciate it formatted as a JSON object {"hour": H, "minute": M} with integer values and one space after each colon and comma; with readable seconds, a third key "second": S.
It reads {"hour": 4, "minute": 16}
